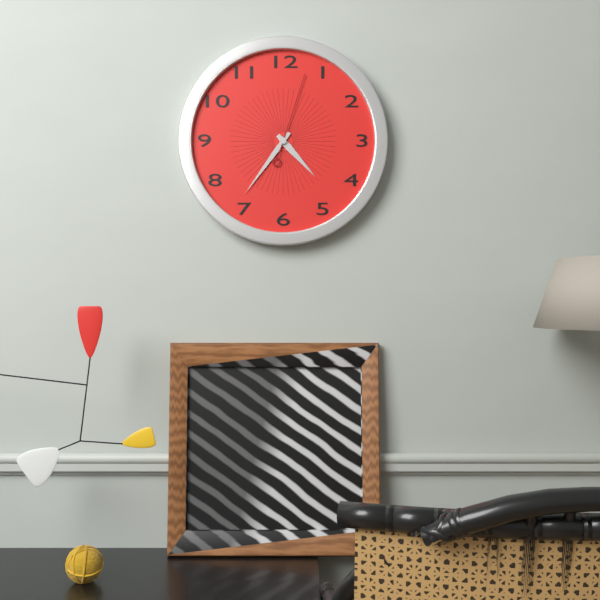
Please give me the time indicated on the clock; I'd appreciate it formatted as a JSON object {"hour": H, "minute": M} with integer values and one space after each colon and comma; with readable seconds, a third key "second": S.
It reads {"hour": 4, "minute": 36, "second": 3}
